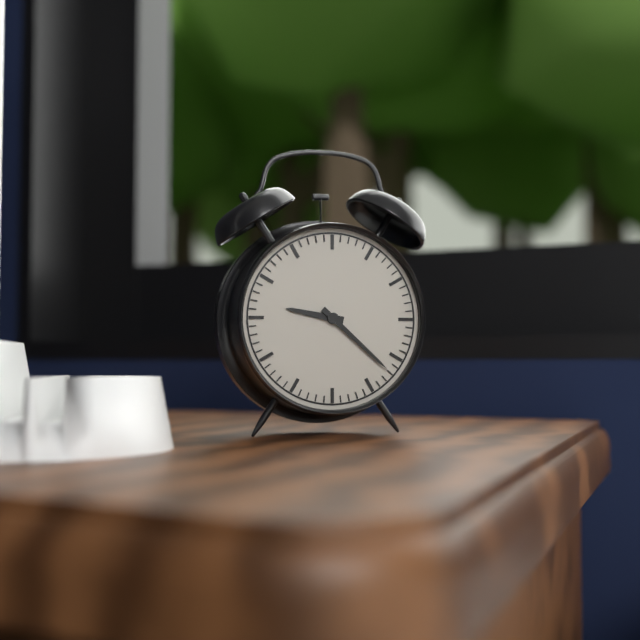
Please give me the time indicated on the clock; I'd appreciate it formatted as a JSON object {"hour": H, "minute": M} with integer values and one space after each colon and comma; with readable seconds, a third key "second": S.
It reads {"hour": 9, "minute": 22}
